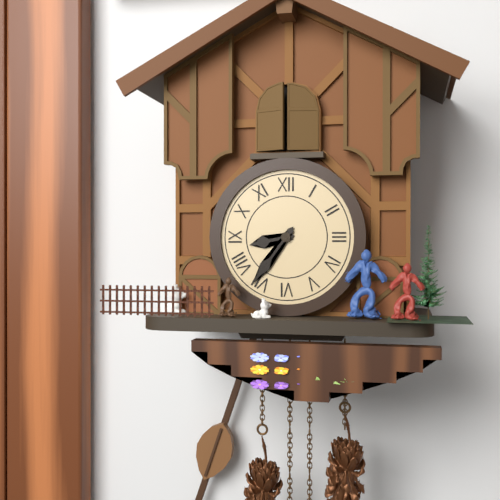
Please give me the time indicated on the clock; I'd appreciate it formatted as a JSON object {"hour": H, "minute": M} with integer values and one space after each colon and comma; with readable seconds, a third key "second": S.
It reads {"hour": 8, "minute": 36}
